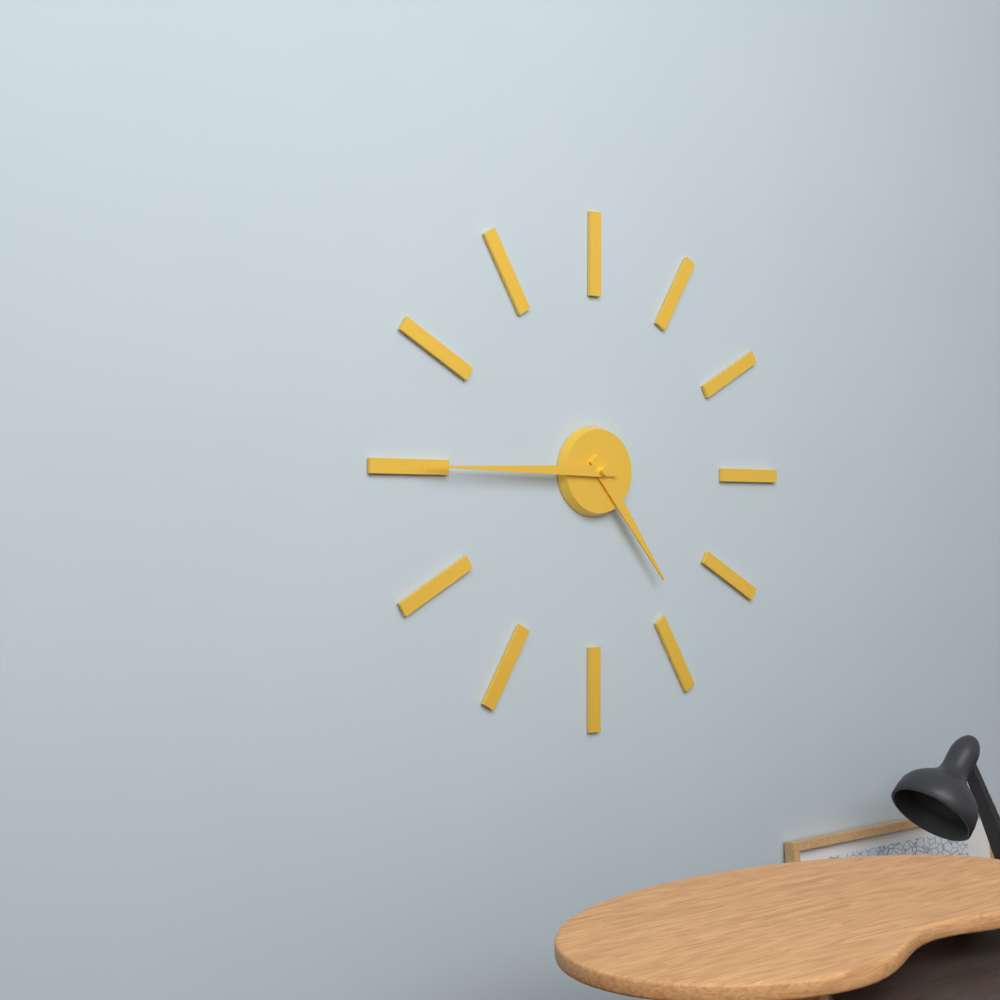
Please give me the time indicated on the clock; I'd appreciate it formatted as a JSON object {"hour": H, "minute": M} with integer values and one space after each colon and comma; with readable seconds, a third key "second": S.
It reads {"hour": 4, "minute": 45}
